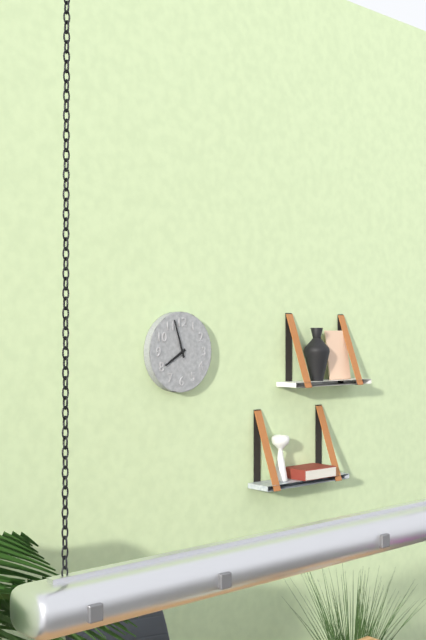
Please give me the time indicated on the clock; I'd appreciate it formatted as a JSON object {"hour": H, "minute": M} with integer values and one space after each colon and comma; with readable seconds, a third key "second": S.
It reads {"hour": 7, "minute": 57}
